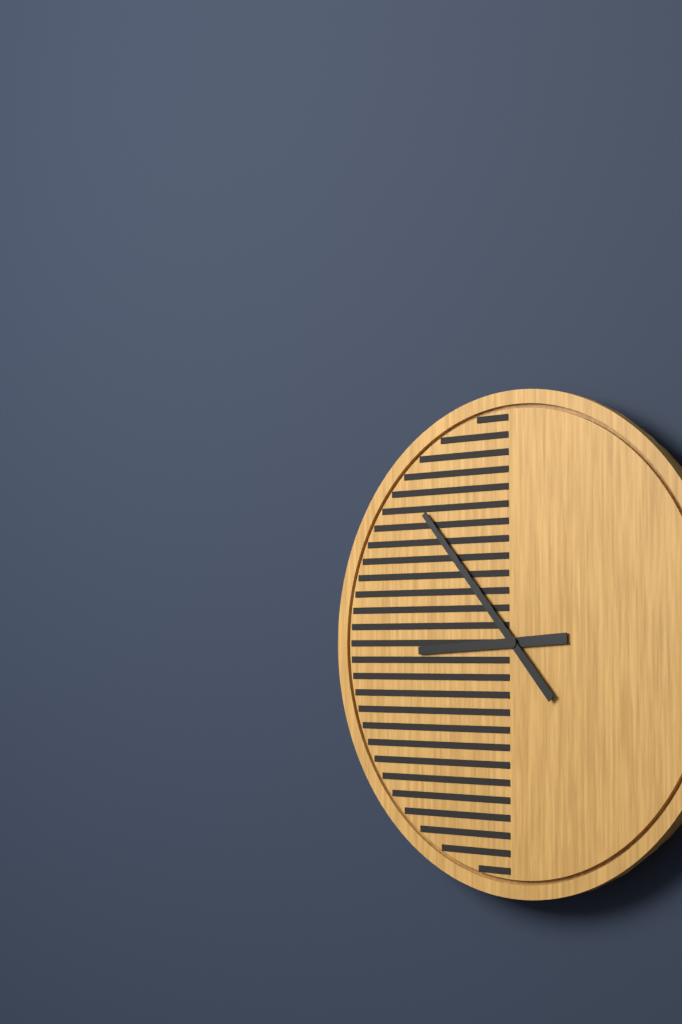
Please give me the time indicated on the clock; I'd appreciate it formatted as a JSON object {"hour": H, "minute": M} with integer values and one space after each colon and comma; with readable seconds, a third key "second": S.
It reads {"hour": 8, "minute": 53}
